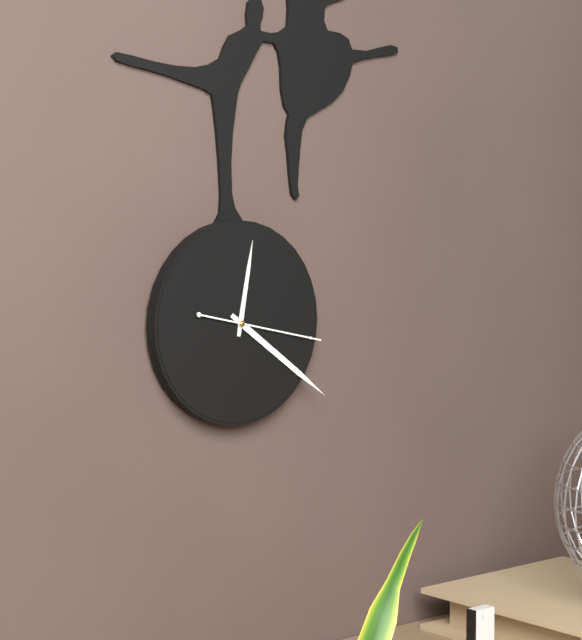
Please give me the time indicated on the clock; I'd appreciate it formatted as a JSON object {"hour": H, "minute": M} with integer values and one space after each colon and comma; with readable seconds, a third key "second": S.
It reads {"hour": 12, "minute": 21, "second": 17}
